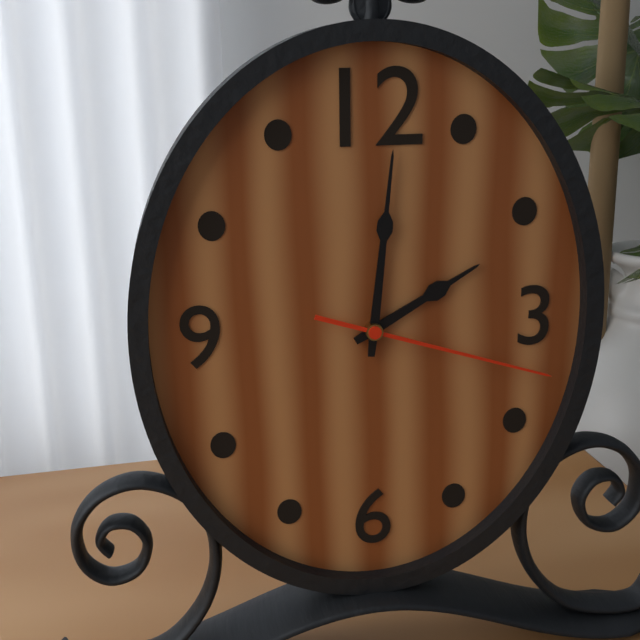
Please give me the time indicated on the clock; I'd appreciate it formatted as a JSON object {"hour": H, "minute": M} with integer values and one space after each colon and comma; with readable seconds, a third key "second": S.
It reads {"hour": 2, "minute": 1, "second": 18}
